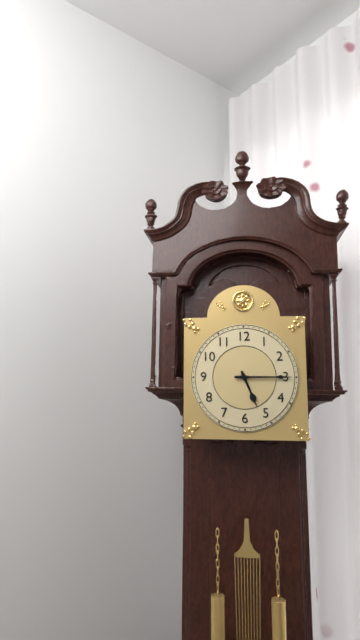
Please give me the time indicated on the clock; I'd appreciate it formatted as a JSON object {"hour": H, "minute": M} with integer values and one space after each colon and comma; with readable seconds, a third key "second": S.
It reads {"hour": 5, "minute": 15}
